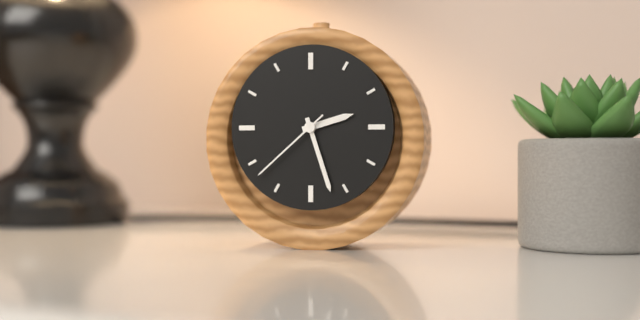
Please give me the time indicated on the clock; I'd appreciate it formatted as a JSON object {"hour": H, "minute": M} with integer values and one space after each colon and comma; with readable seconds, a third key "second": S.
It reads {"hour": 2, "minute": 27, "second": 38}
